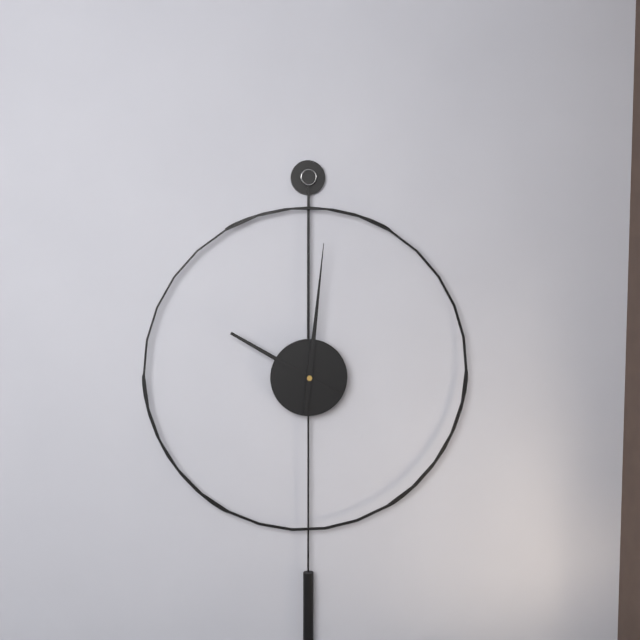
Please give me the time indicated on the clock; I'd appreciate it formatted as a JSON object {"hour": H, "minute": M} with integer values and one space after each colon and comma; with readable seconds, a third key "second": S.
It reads {"hour": 10, "minute": 1}
